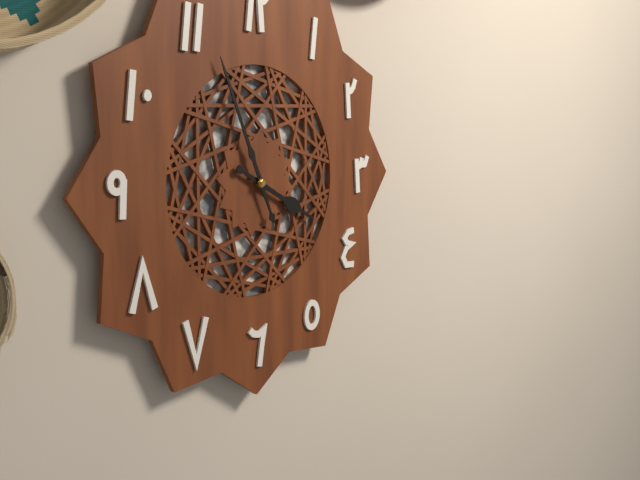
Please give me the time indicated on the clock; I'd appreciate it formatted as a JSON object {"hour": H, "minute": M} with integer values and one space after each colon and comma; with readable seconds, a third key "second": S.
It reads {"hour": 3, "minute": 56}
